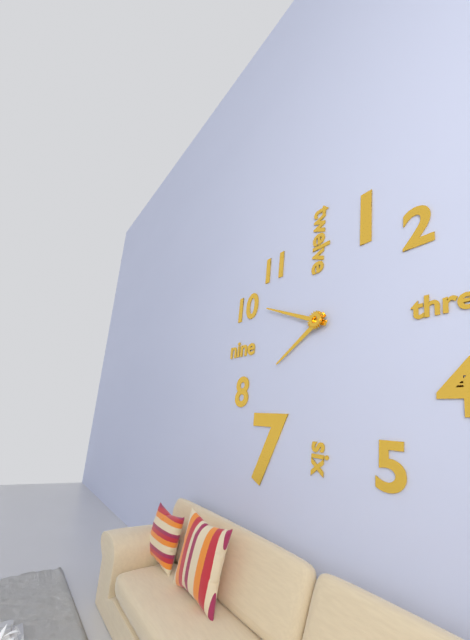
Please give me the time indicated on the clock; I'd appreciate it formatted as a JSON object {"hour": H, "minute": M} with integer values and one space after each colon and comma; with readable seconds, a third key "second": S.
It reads {"hour": 7, "minute": 49}
